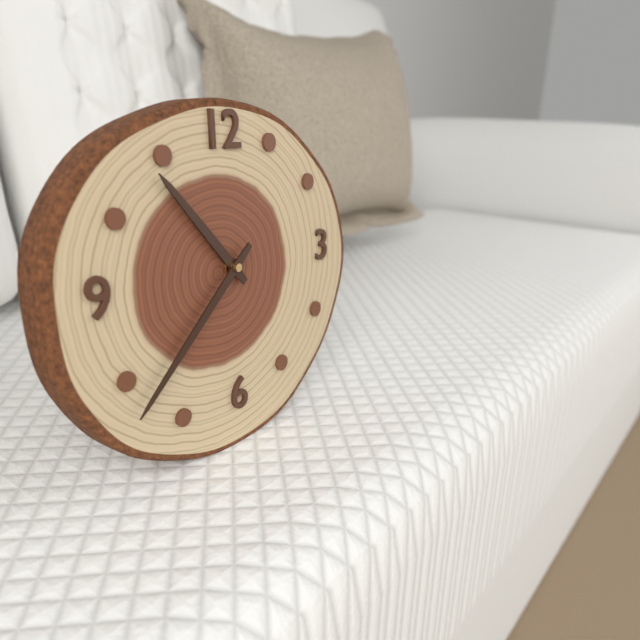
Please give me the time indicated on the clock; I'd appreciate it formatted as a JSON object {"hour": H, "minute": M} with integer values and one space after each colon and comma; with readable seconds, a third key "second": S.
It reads {"hour": 10, "minute": 38}
